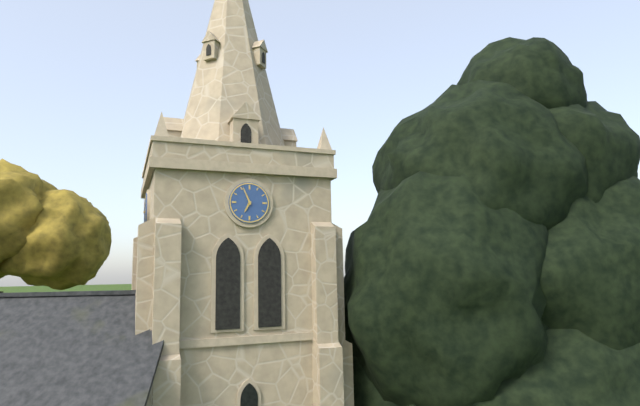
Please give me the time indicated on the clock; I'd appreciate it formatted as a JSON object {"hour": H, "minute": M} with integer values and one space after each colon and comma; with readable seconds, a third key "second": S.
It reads {"hour": 6, "minute": 56}
